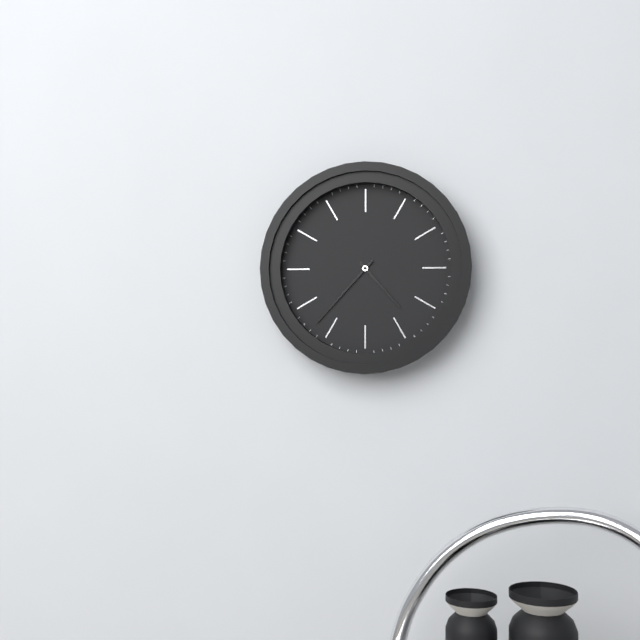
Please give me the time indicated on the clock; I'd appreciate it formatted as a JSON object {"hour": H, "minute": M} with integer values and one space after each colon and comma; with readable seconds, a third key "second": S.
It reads {"hour": 4, "minute": 37}
